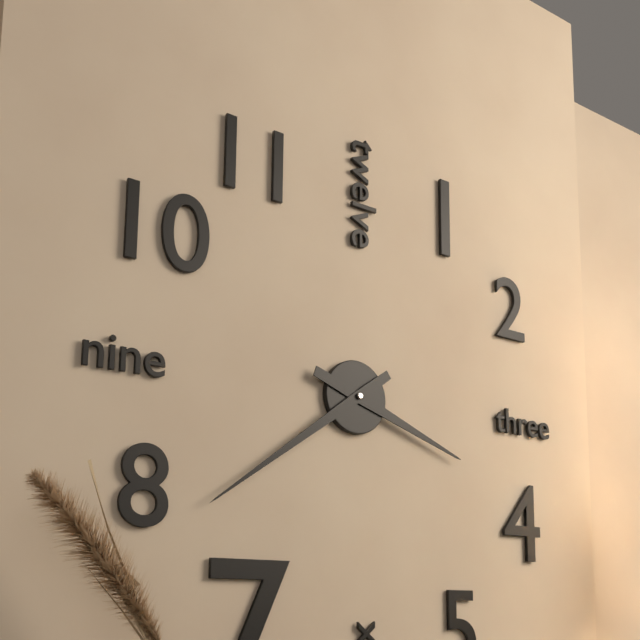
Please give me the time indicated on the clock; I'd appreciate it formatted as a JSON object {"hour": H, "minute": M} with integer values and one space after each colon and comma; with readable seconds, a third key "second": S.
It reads {"hour": 3, "minute": 39}
